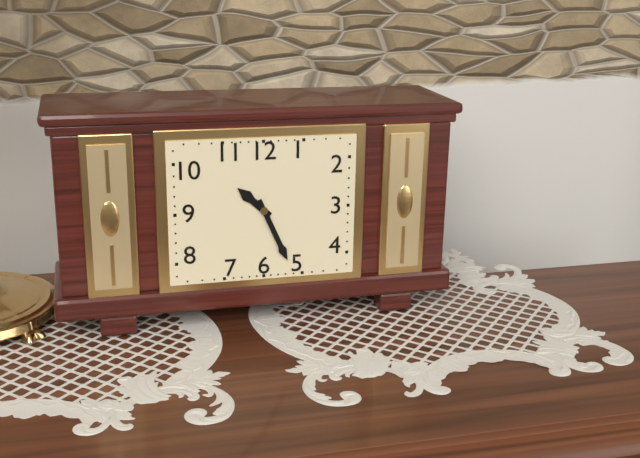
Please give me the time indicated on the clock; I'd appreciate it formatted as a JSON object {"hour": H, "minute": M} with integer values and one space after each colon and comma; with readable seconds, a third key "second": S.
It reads {"hour": 10, "minute": 26}
